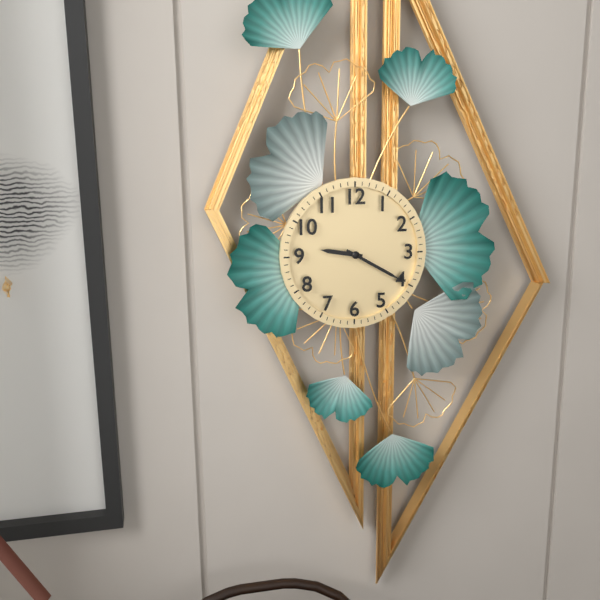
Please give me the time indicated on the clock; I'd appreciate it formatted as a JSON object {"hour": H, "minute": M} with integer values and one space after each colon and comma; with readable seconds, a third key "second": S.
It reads {"hour": 9, "minute": 20}
